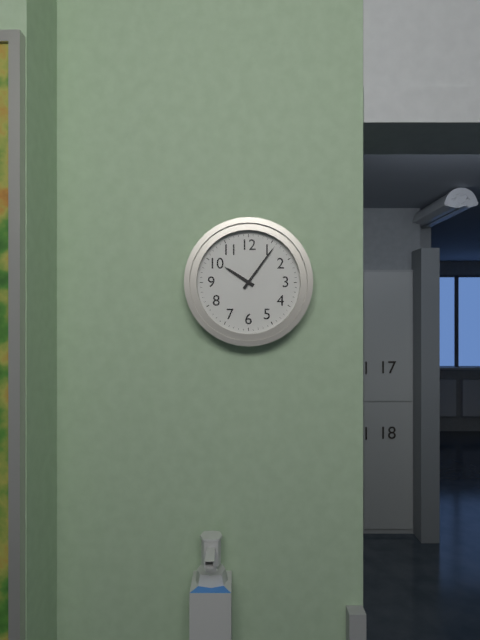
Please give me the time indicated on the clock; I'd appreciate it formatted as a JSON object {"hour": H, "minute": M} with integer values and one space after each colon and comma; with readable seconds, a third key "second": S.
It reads {"hour": 10, "minute": 6}
